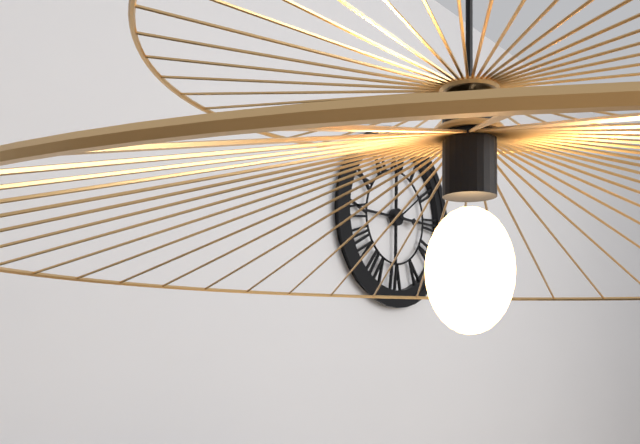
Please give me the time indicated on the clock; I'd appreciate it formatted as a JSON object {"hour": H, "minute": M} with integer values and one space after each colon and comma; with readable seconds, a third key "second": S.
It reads {"hour": 3, "minute": 9}
